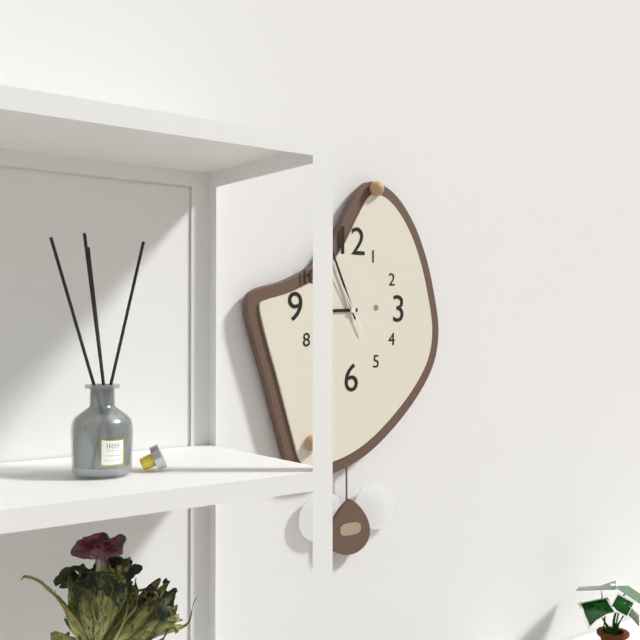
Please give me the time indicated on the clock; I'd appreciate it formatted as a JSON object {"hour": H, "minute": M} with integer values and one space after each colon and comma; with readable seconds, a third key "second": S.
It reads {"hour": 8, "minute": 56, "second": 55}
